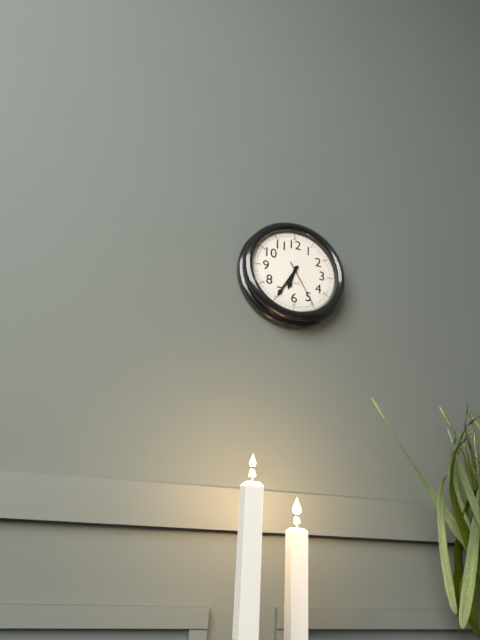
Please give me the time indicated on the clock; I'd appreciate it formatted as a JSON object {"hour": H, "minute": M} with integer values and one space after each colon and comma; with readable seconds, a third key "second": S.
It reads {"hour": 6, "minute": 35}
